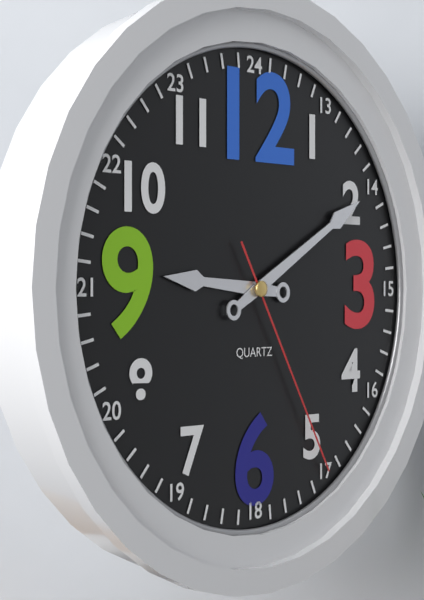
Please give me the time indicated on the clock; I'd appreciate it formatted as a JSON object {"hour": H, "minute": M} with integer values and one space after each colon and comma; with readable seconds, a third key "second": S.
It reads {"hour": 9, "minute": 10, "second": 25}
